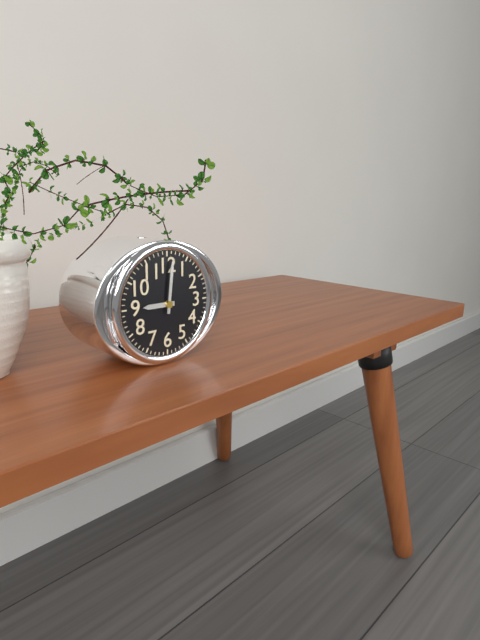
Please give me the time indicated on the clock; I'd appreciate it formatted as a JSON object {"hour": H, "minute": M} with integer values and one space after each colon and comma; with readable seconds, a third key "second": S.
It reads {"hour": 9, "minute": 1}
